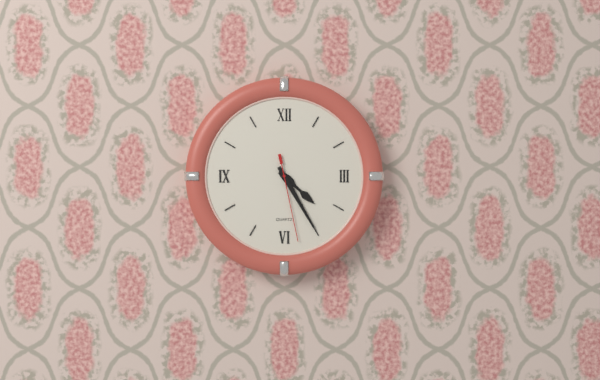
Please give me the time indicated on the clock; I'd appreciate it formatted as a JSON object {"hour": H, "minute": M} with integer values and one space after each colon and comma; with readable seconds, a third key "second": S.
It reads {"hour": 4, "minute": 25, "second": 28}
